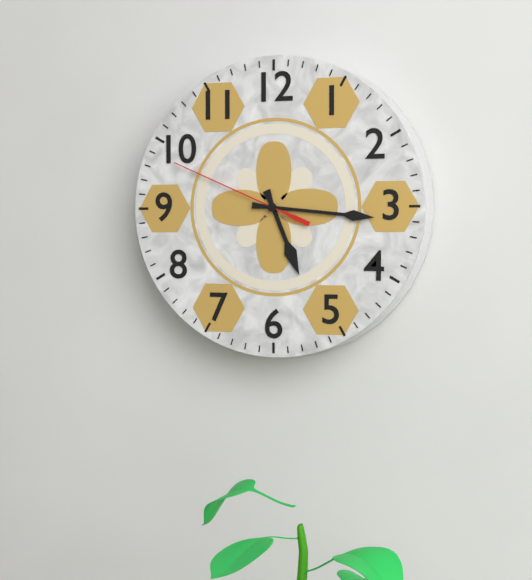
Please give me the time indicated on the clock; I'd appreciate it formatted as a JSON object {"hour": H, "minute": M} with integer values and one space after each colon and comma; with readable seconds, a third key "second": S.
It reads {"hour": 5, "minute": 16, "second": 49}
